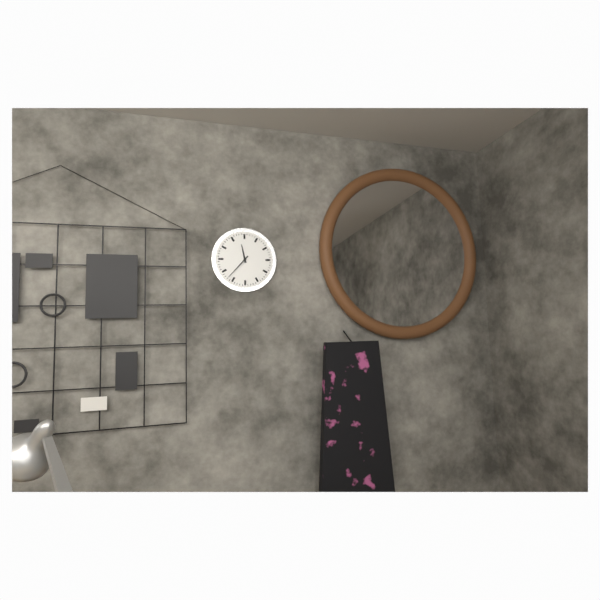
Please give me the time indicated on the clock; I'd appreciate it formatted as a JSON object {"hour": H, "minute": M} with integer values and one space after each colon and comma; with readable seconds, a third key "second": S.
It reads {"hour": 11, "minute": 37}
